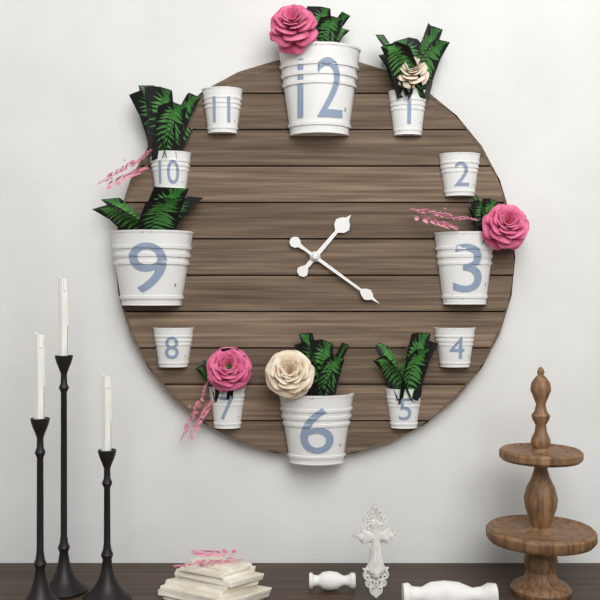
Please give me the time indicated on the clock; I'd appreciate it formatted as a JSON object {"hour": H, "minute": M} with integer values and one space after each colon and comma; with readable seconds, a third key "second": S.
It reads {"hour": 1, "minute": 21}
